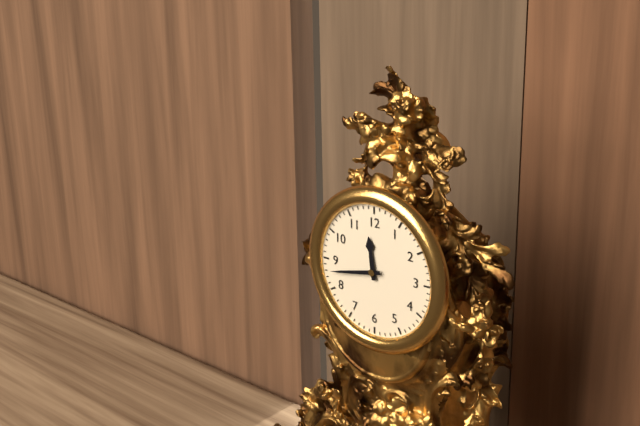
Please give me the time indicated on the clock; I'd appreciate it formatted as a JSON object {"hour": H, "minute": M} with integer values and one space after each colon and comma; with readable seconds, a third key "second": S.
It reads {"hour": 11, "minute": 43}
